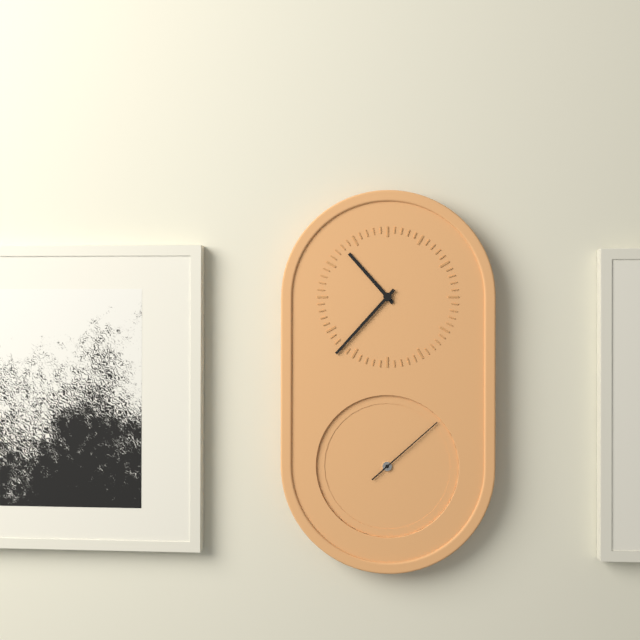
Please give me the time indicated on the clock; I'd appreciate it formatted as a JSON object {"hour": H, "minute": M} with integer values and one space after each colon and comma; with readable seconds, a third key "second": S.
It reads {"hour": 10, "minute": 37, "second": 8}
